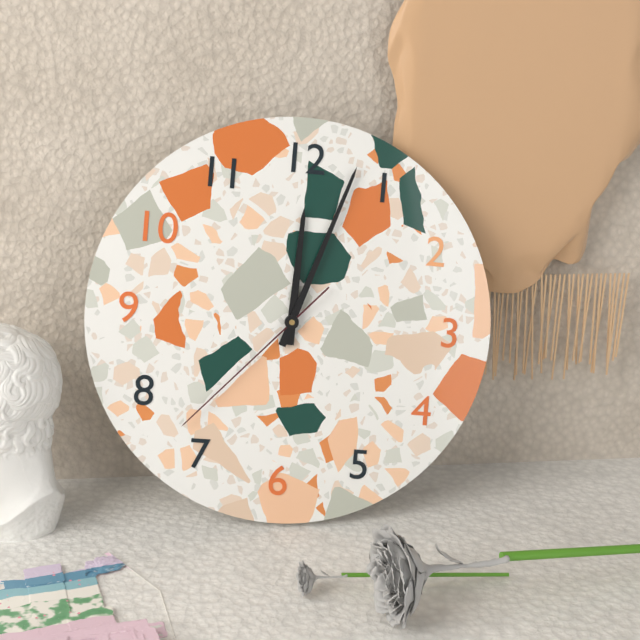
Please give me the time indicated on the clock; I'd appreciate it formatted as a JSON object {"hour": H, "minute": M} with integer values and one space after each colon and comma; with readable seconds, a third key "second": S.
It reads {"hour": 12, "minute": 3, "second": 37}
